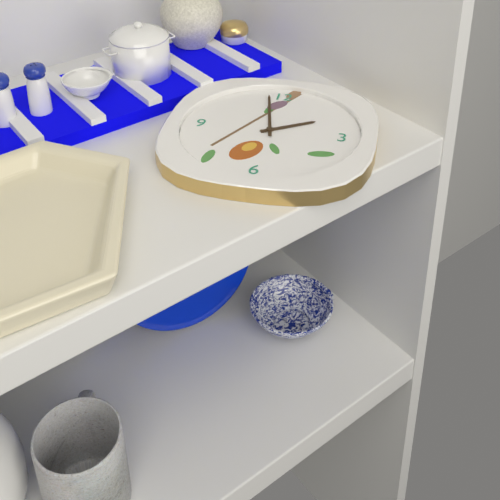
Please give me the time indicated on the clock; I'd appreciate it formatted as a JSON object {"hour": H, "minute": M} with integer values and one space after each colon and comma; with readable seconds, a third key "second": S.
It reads {"hour": 1, "minute": 58}
